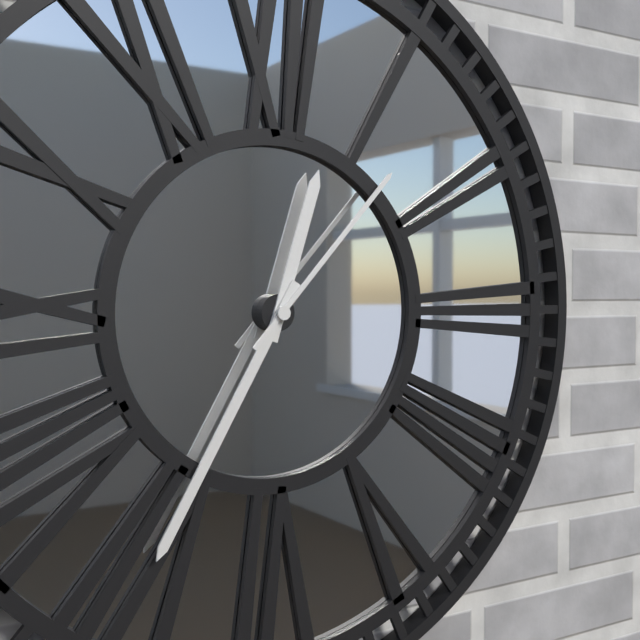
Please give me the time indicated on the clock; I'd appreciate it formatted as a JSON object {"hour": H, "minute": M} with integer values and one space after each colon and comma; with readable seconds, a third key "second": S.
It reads {"hour": 12, "minute": 35, "second": 7}
